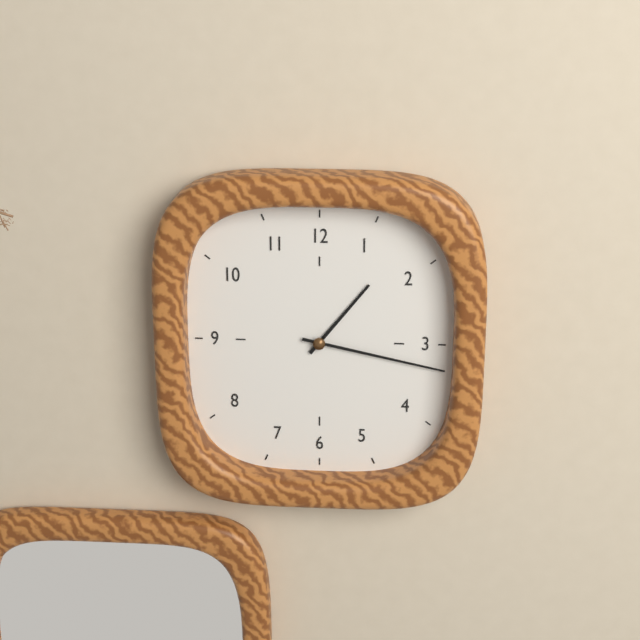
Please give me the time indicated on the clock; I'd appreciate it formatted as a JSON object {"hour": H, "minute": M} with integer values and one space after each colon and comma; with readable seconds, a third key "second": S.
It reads {"hour": 1, "minute": 17}
